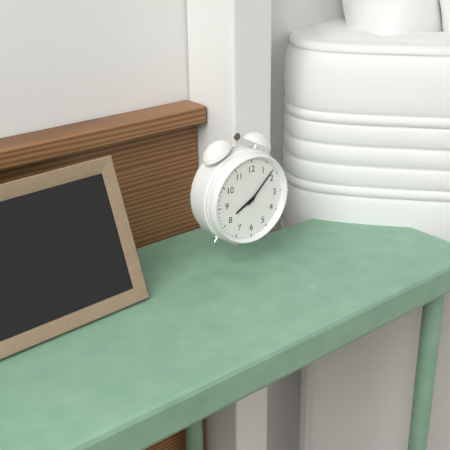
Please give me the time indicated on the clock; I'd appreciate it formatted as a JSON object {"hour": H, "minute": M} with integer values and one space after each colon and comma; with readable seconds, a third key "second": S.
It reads {"hour": 8, "minute": 8}
